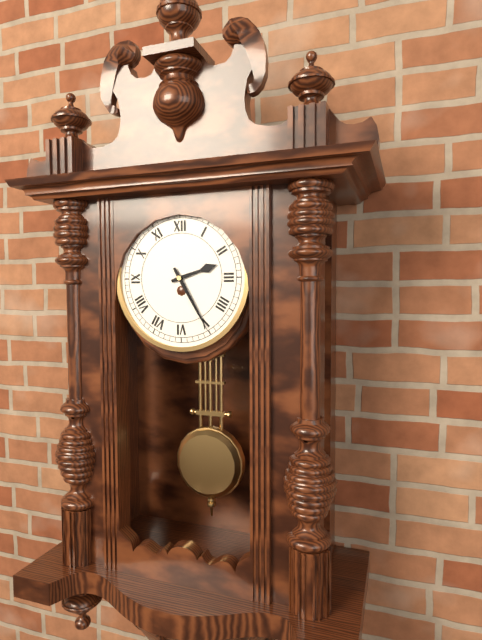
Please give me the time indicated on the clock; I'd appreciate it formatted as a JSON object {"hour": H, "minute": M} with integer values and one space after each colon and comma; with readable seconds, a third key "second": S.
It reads {"hour": 2, "minute": 25}
